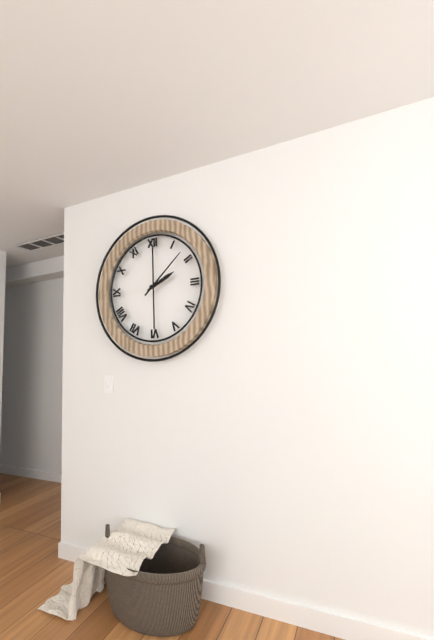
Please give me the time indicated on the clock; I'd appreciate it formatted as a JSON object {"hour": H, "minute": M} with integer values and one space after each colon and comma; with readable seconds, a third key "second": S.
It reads {"hour": 2, "minute": 8}
